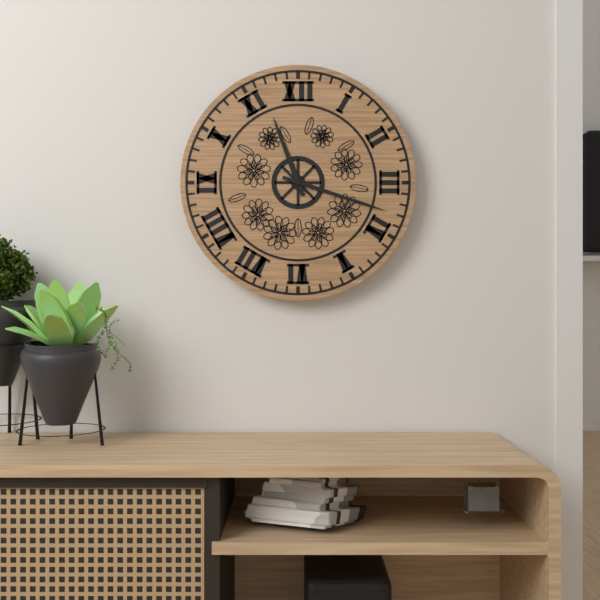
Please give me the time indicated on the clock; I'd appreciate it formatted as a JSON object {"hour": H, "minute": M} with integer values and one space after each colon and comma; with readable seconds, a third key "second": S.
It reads {"hour": 11, "minute": 18}
